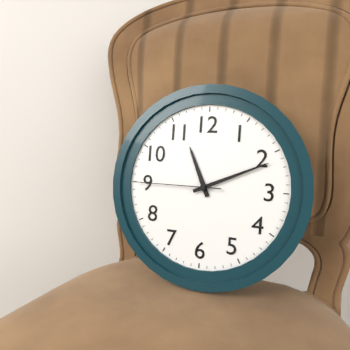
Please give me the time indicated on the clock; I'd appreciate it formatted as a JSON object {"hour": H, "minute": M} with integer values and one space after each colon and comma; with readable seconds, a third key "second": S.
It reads {"hour": 11, "minute": 11, "second": 45}
